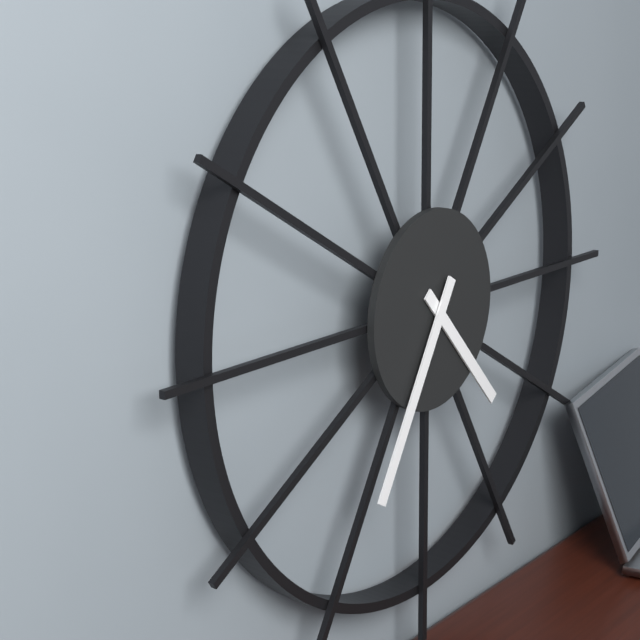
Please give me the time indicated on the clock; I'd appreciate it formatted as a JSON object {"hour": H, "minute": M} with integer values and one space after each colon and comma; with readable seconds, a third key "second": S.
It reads {"hour": 4, "minute": 35}
